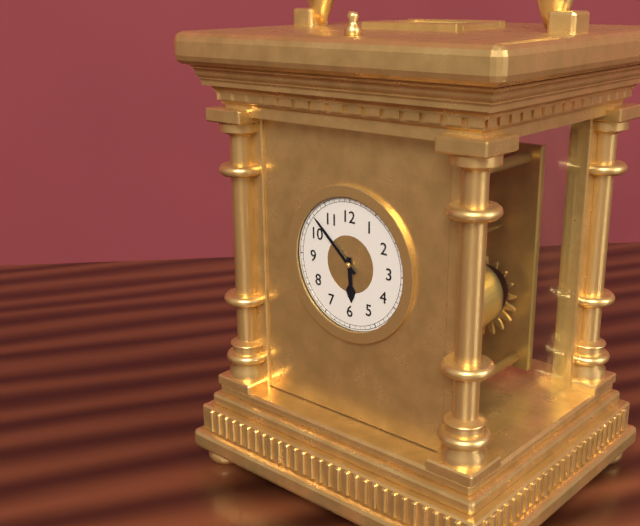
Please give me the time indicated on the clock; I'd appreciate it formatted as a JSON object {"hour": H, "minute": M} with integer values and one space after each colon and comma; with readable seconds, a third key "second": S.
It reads {"hour": 5, "minute": 52}
